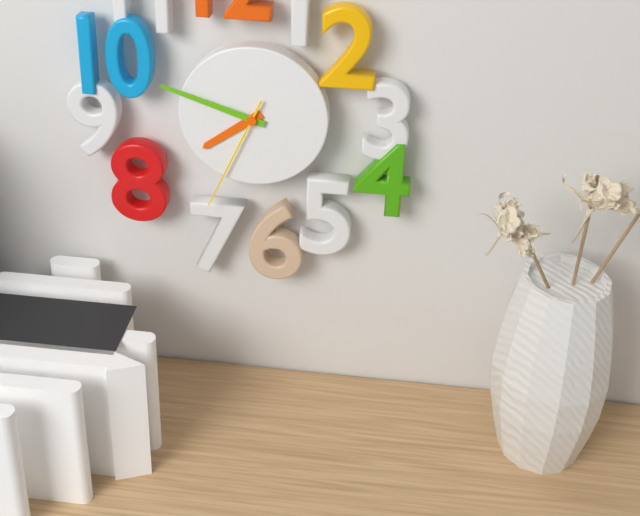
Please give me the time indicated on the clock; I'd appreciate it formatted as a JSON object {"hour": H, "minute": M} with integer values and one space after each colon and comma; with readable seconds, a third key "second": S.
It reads {"hour": 7, "minute": 48, "second": 34}
